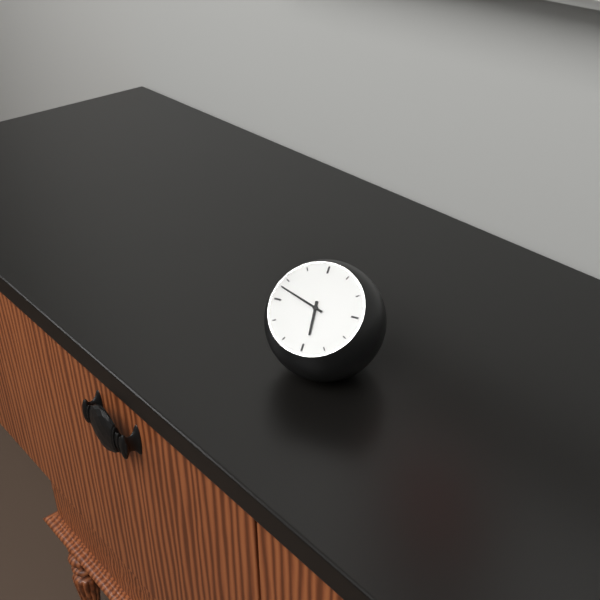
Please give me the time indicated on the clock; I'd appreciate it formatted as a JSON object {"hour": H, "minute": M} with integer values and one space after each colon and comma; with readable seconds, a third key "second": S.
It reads {"hour": 5, "minute": 48}
